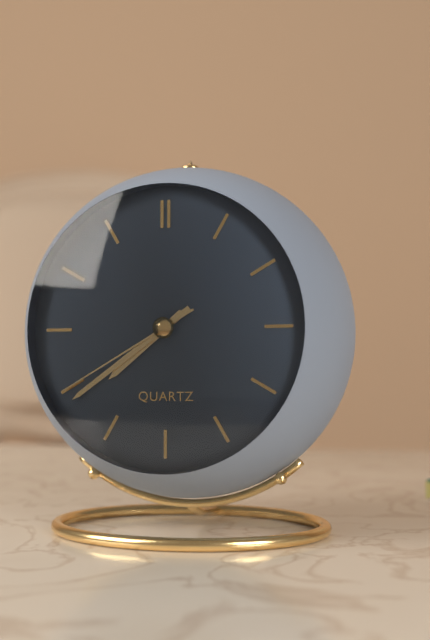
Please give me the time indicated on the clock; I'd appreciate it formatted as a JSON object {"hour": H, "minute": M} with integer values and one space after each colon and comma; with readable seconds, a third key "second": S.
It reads {"hour": 7, "minute": 39, "second": 40}
